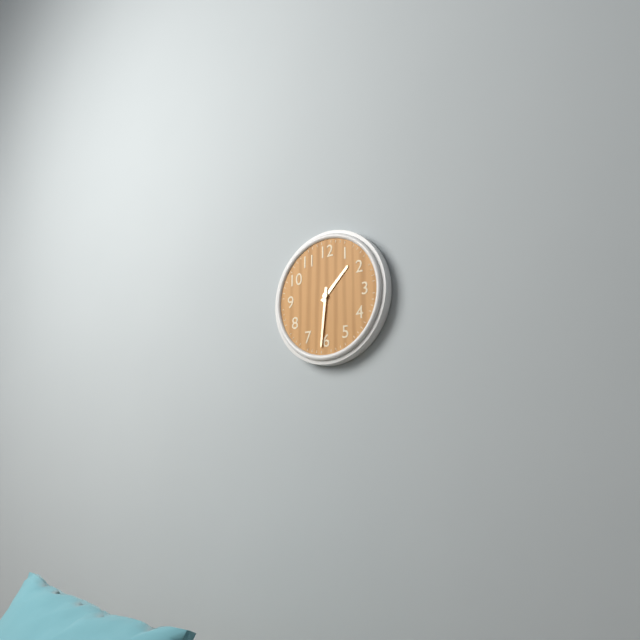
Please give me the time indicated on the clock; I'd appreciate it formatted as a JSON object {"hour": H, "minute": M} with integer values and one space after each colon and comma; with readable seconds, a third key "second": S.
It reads {"hour": 1, "minute": 31}
